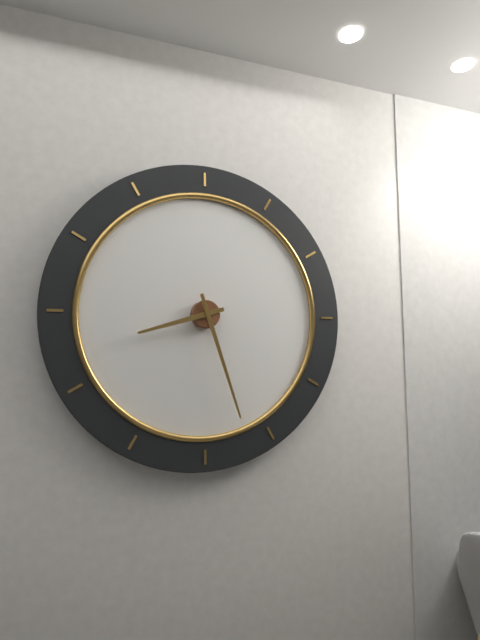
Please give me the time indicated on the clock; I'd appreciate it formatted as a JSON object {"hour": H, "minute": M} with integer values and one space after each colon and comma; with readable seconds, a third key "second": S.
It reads {"hour": 8, "minute": 27}
